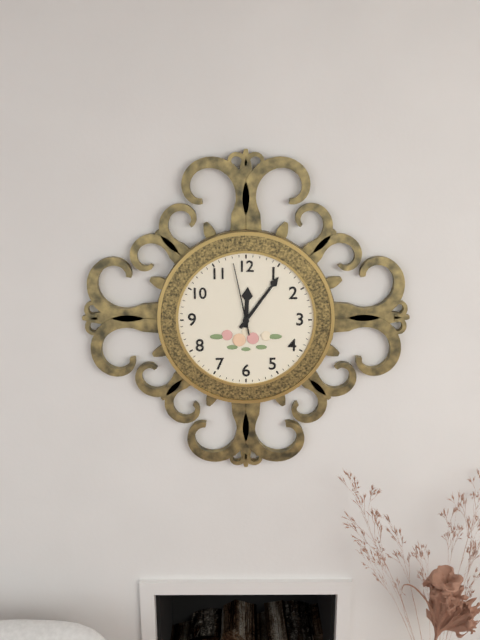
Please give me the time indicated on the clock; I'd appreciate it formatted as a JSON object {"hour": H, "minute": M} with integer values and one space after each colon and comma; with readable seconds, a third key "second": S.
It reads {"hour": 12, "minute": 6, "second": 58}
